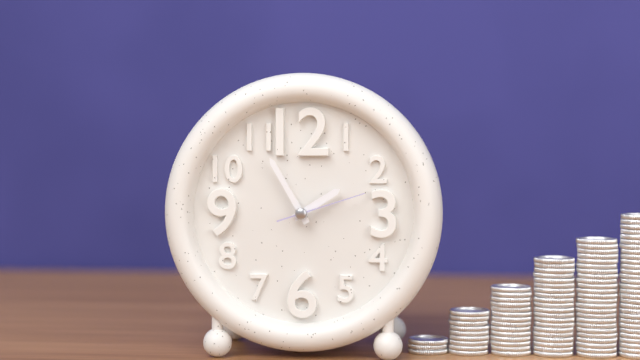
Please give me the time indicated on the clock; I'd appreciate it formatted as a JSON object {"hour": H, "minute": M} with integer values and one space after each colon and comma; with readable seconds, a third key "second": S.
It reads {"hour": 1, "minute": 55, "second": 12}
